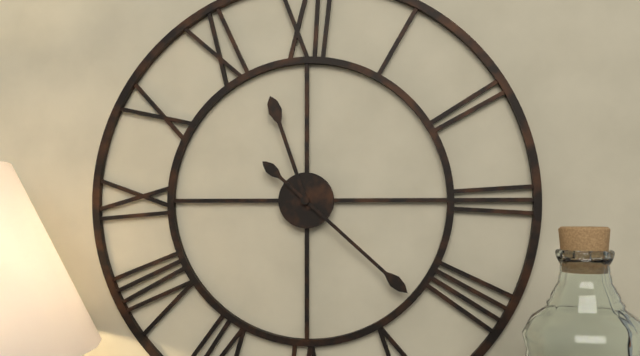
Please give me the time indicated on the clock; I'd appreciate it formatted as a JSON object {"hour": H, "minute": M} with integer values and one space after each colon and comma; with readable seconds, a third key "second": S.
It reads {"hour": 11, "minute": 22}
